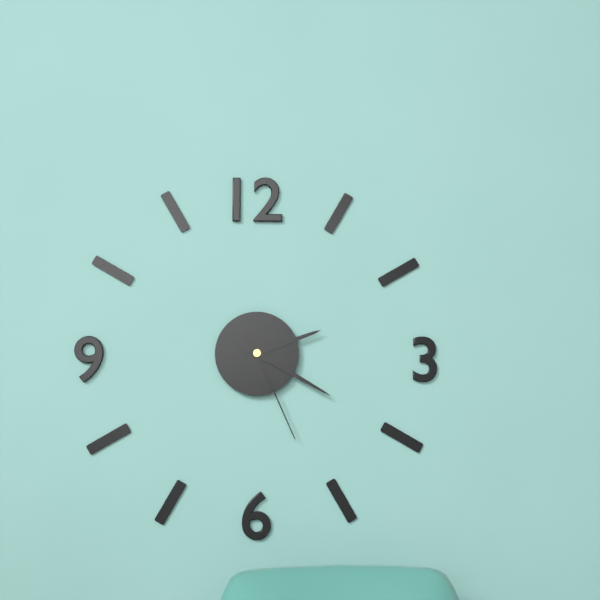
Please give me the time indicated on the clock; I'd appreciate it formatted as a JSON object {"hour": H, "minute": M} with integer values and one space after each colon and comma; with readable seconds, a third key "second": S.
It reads {"hour": 2, "minute": 20, "second": 26}
